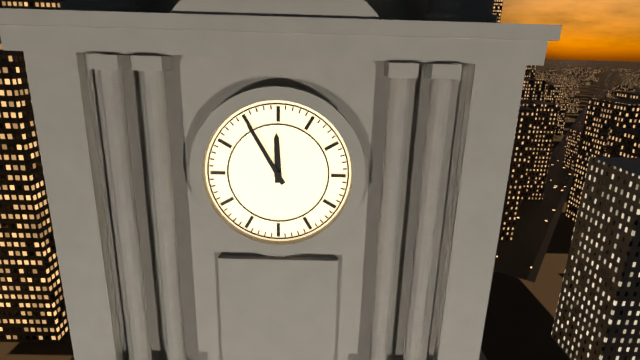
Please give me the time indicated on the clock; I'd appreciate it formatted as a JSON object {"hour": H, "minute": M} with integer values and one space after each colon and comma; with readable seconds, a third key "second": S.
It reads {"hour": 11, "minute": 55}
